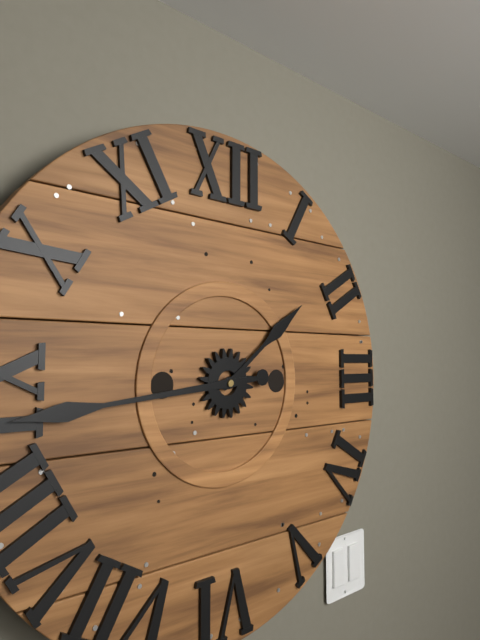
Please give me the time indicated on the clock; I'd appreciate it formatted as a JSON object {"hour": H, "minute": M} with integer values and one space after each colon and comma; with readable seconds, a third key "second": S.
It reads {"hour": 1, "minute": 44}
